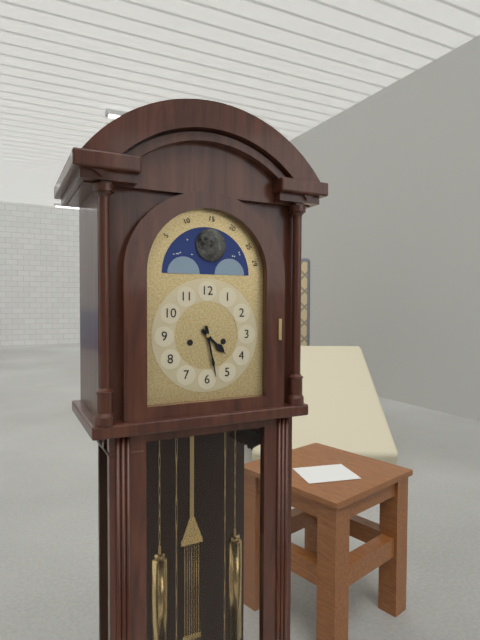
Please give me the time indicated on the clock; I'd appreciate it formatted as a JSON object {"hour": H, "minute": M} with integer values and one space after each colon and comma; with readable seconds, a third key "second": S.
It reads {"hour": 4, "minute": 28}
